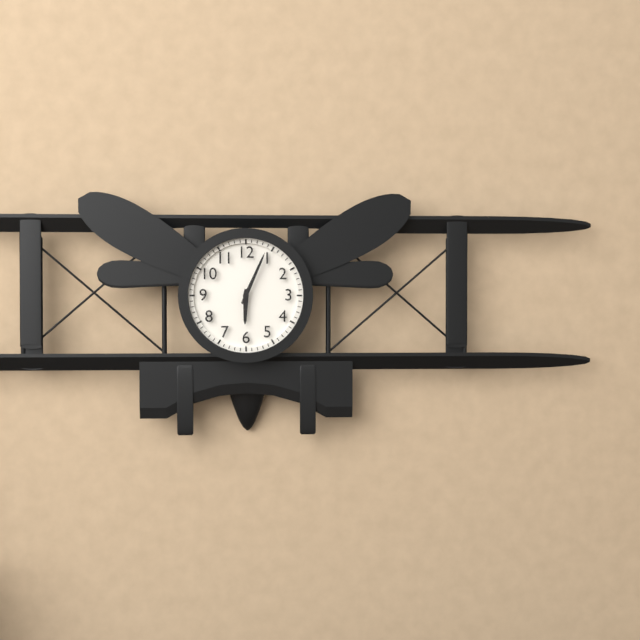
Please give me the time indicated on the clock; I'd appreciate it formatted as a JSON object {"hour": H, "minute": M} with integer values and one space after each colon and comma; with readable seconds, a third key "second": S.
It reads {"hour": 6, "minute": 4}
